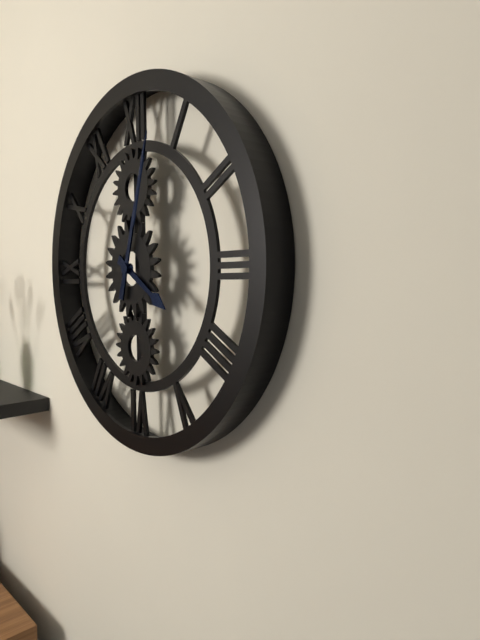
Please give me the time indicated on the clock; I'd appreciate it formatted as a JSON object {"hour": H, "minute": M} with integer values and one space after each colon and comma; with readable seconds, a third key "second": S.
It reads {"hour": 4, "minute": 3}
